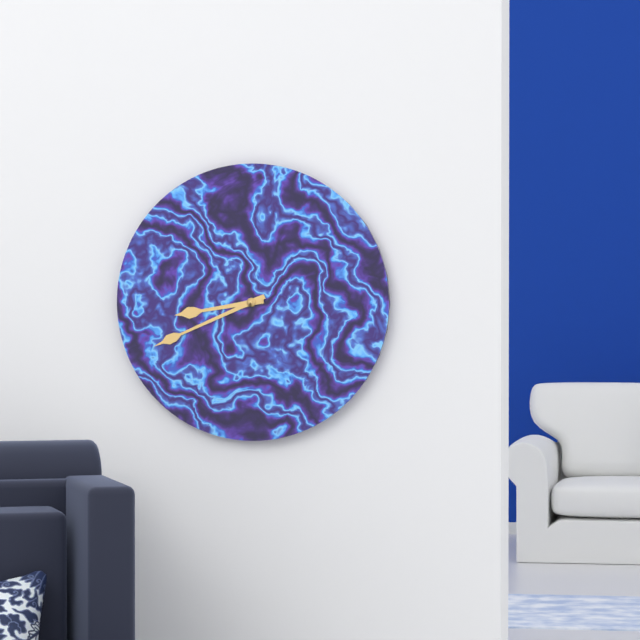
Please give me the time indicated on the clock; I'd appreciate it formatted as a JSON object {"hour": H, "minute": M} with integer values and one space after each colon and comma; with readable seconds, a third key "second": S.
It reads {"hour": 8, "minute": 41}
